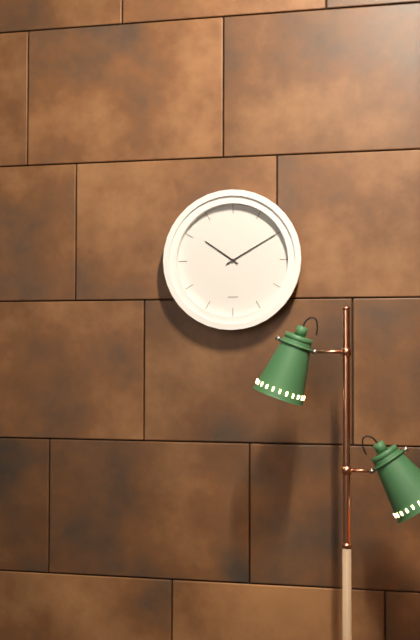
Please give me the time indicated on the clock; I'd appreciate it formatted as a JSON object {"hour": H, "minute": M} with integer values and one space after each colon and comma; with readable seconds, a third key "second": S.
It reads {"hour": 10, "minute": 10}
